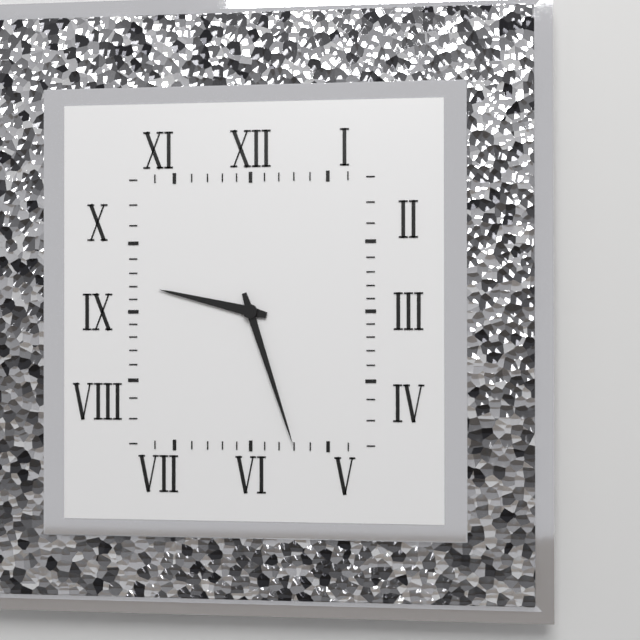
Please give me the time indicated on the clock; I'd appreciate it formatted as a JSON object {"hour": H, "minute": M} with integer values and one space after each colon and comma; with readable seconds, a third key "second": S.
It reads {"hour": 9, "minute": 27}
